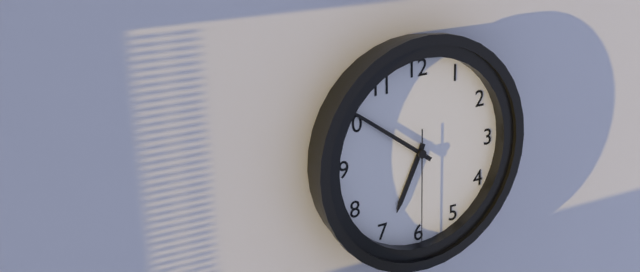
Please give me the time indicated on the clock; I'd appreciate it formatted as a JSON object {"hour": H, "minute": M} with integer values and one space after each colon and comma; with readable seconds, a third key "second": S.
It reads {"hour": 6, "minute": 51, "second": 30}
